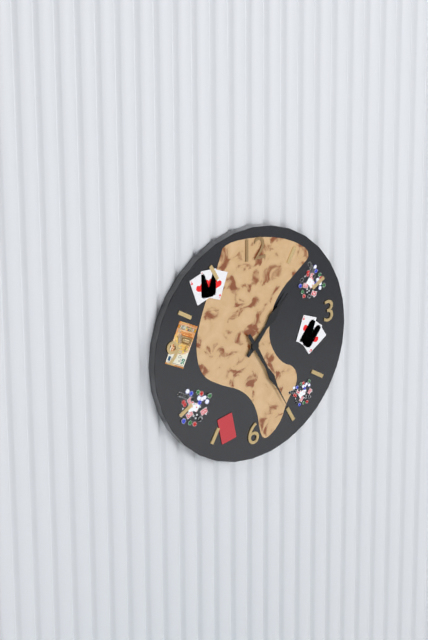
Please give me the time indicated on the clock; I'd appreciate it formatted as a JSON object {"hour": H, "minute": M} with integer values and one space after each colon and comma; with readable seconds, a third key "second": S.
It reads {"hour": 1, "minute": 25}
